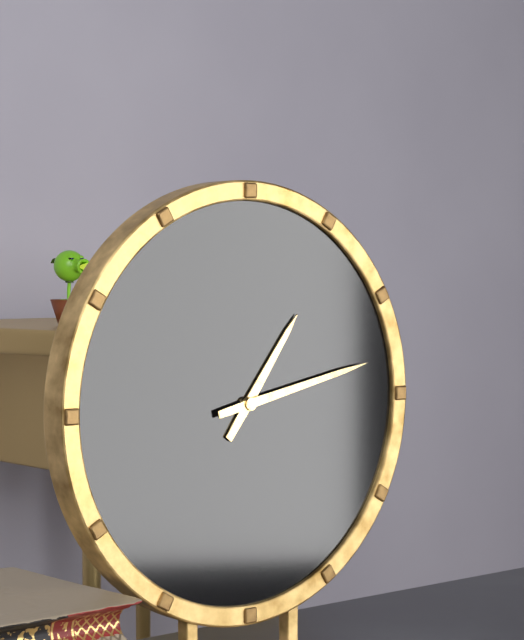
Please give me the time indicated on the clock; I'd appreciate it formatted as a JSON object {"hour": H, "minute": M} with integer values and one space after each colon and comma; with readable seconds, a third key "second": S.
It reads {"hour": 1, "minute": 13}
